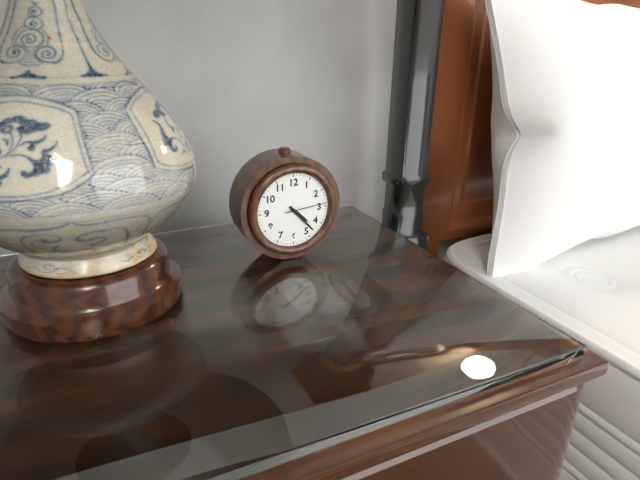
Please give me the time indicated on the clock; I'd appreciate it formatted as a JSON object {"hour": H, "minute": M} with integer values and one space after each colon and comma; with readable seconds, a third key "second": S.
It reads {"hour": 4, "minute": 23}
